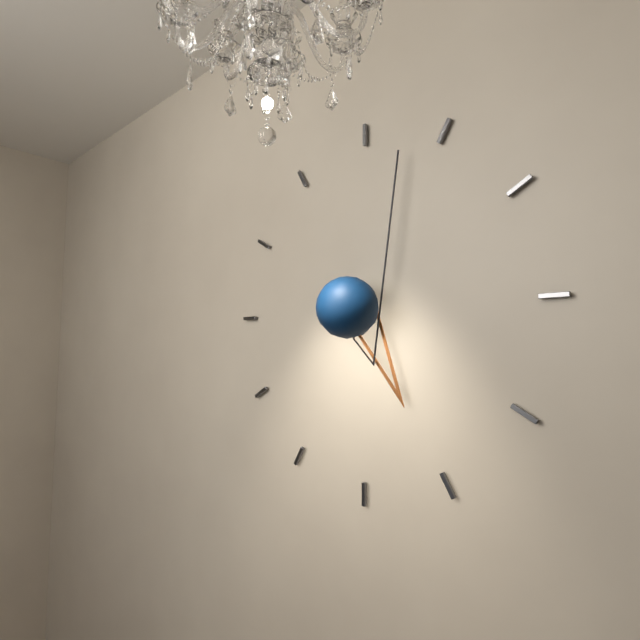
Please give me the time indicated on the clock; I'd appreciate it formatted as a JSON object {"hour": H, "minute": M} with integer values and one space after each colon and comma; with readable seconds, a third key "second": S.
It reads {"hour": 5, "minute": 3}
